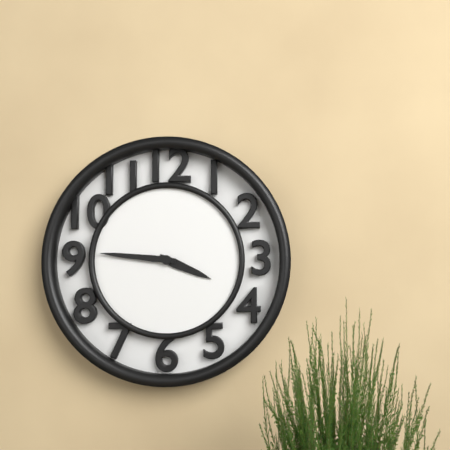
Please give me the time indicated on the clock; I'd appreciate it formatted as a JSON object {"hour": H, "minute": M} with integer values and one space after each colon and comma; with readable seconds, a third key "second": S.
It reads {"hour": 3, "minute": 46}
